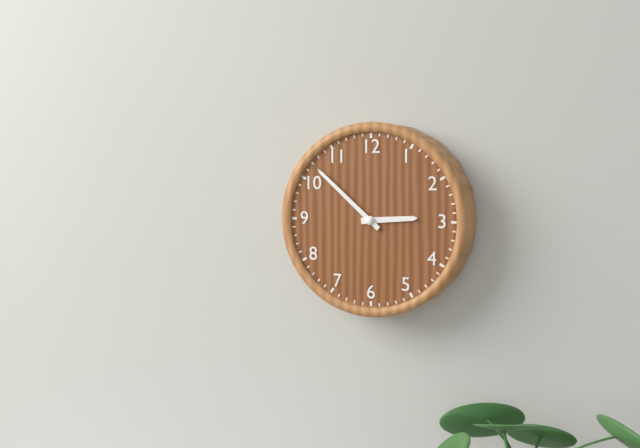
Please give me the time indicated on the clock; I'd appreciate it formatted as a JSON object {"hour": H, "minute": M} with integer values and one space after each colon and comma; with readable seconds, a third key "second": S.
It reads {"hour": 2, "minute": 52}
